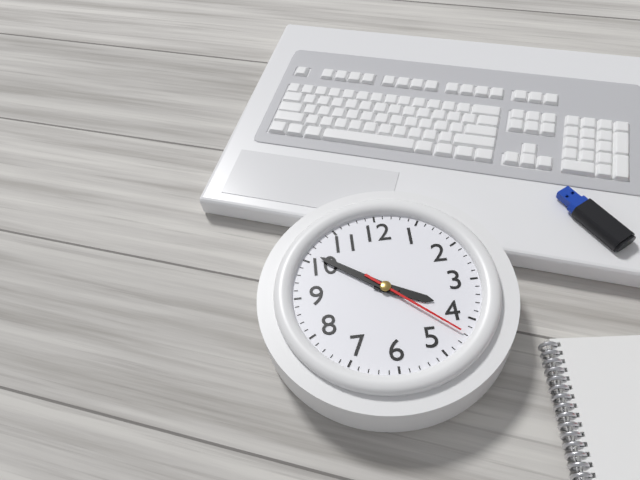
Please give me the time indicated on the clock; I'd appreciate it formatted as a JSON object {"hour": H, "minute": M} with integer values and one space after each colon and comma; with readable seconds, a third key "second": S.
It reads {"hour": 3, "minute": 51, "second": 22}
